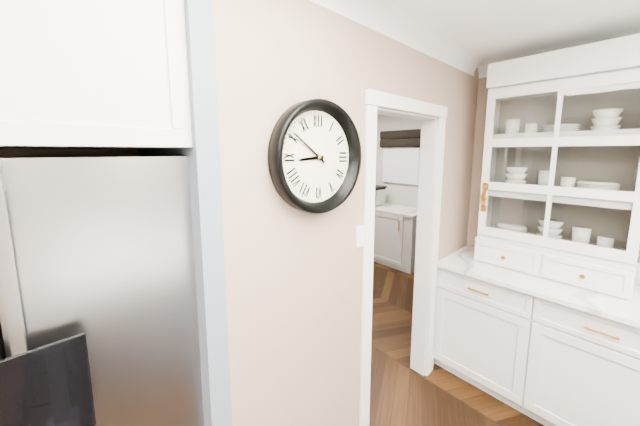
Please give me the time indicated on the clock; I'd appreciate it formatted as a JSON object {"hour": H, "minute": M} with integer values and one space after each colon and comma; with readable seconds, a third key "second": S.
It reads {"hour": 8, "minute": 51}
